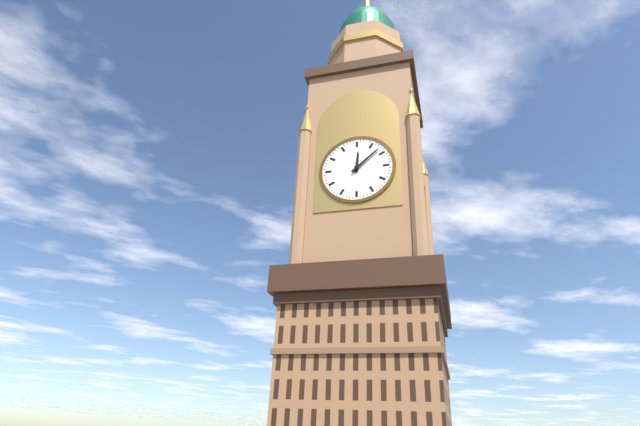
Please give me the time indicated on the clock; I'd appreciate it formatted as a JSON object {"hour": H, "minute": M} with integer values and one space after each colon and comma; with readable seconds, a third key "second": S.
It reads {"hour": 12, "minute": 8}
